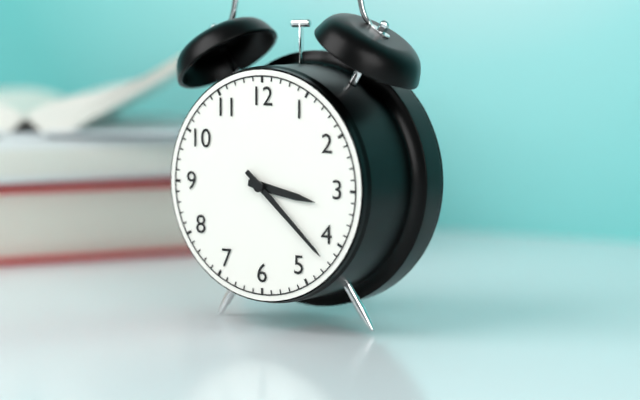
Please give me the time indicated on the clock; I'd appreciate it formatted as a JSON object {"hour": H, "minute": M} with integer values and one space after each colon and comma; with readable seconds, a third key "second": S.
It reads {"hour": 3, "minute": 22}
